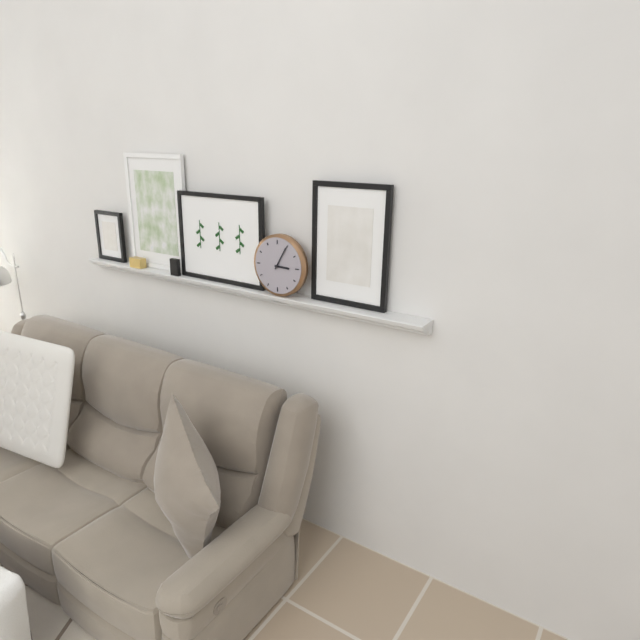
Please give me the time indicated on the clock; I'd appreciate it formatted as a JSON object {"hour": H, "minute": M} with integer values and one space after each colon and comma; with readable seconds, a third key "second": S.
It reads {"hour": 3, "minute": 5}
